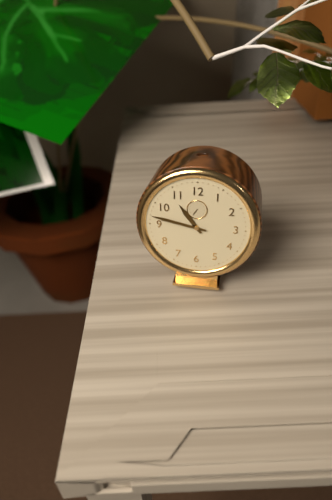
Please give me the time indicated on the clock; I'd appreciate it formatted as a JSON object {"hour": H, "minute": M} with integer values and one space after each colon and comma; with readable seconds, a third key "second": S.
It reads {"hour": 10, "minute": 47}
